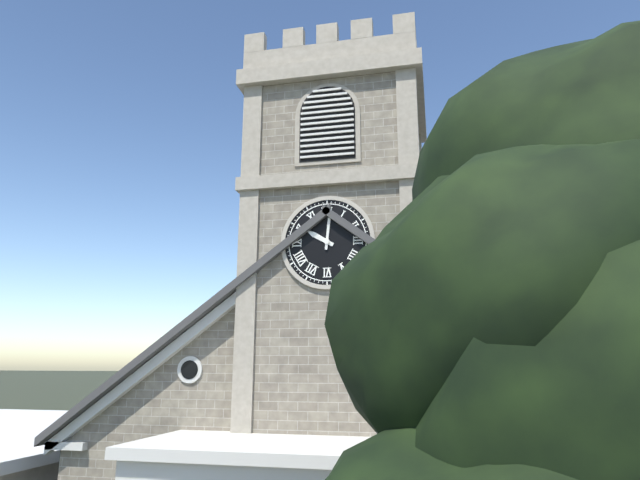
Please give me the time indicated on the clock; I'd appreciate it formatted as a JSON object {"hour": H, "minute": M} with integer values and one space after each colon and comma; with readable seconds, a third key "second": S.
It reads {"hour": 10, "minute": 1}
